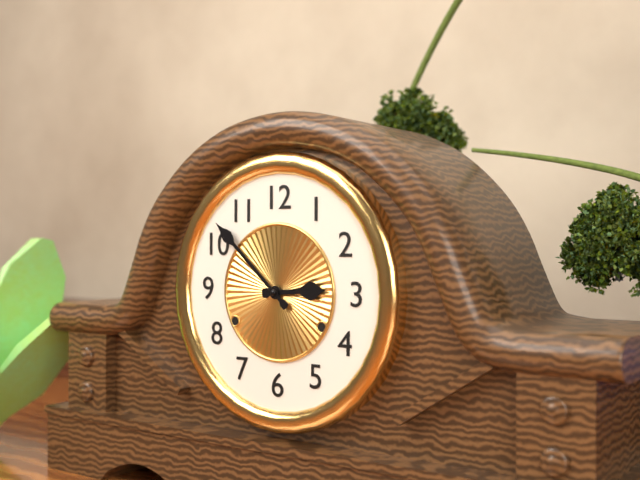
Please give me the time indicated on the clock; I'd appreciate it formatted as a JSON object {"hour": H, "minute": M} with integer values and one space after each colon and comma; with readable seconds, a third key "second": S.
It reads {"hour": 2, "minute": 52}
